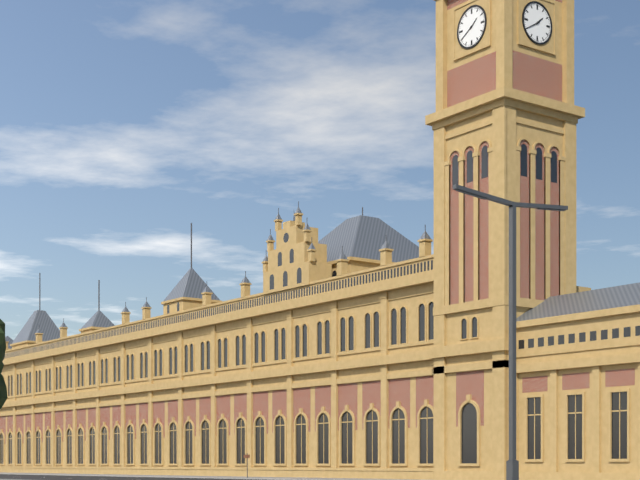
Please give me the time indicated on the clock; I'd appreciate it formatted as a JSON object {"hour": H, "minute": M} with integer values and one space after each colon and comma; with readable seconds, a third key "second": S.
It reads {"hour": 1, "minute": 40}
